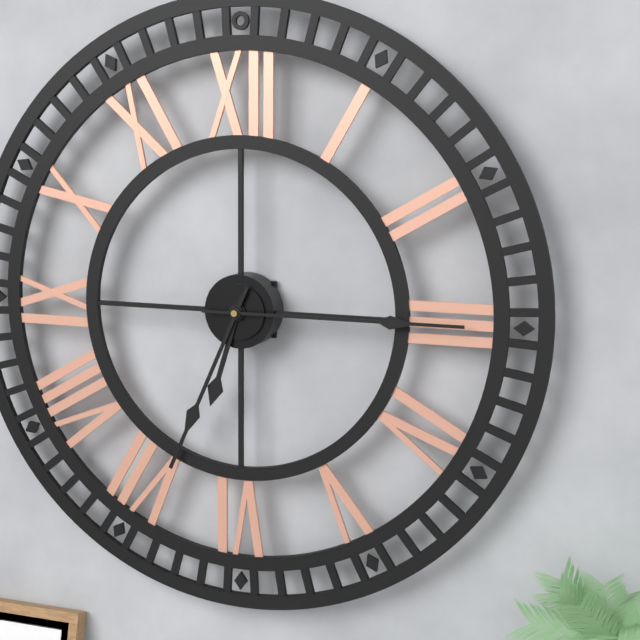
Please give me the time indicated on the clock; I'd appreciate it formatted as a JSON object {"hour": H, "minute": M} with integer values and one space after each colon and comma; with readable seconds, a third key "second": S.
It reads {"hour": 6, "minute": 34, "second": 15}
